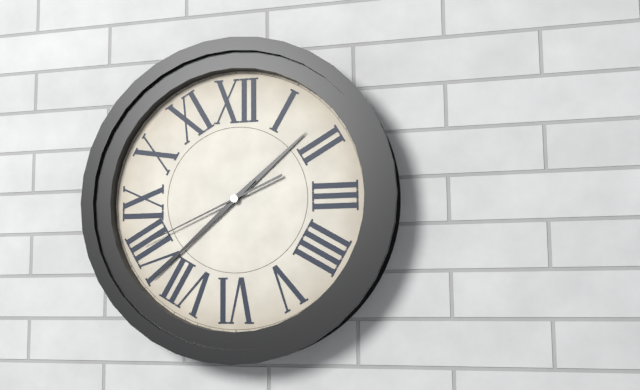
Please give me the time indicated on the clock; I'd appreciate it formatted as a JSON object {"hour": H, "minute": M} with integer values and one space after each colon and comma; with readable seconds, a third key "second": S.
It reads {"hour": 1, "minute": 38, "second": 41}
